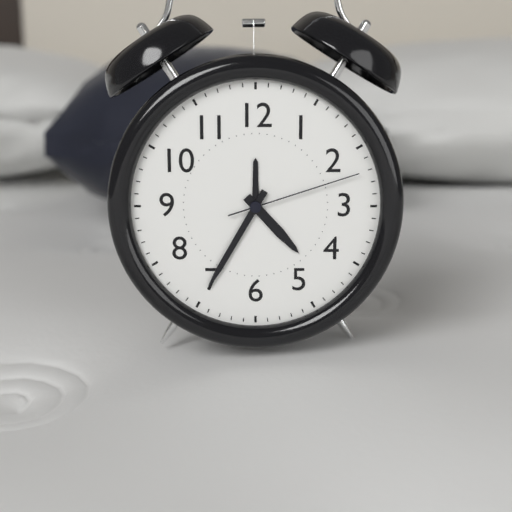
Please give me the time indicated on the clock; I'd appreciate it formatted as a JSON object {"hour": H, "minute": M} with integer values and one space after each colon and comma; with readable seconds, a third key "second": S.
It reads {"hour": 4, "minute": 35, "second": 12}
